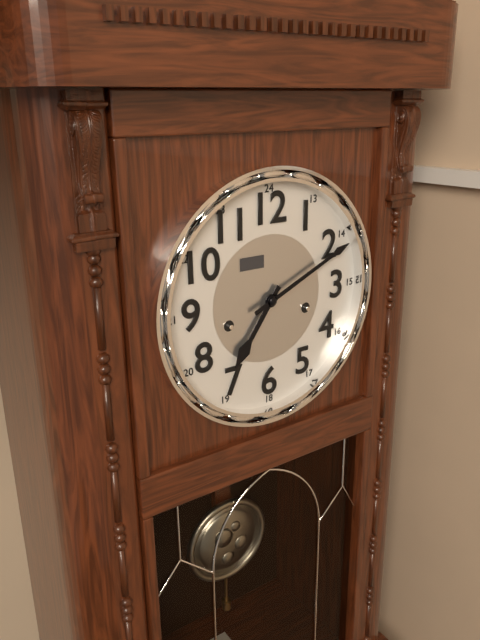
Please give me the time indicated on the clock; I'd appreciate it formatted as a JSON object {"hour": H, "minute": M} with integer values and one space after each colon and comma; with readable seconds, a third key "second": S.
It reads {"hour": 7, "minute": 11}
